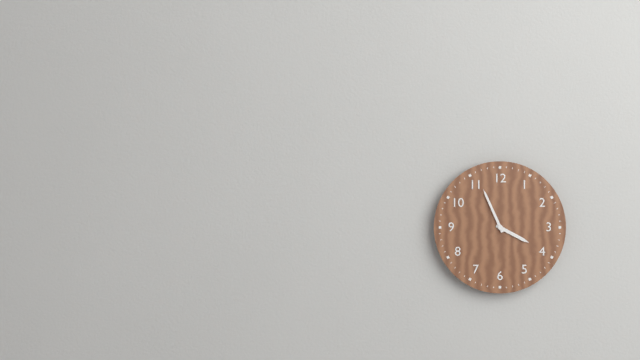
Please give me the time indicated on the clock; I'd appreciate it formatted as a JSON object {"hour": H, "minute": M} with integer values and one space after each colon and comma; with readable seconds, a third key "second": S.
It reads {"hour": 3, "minute": 56}
